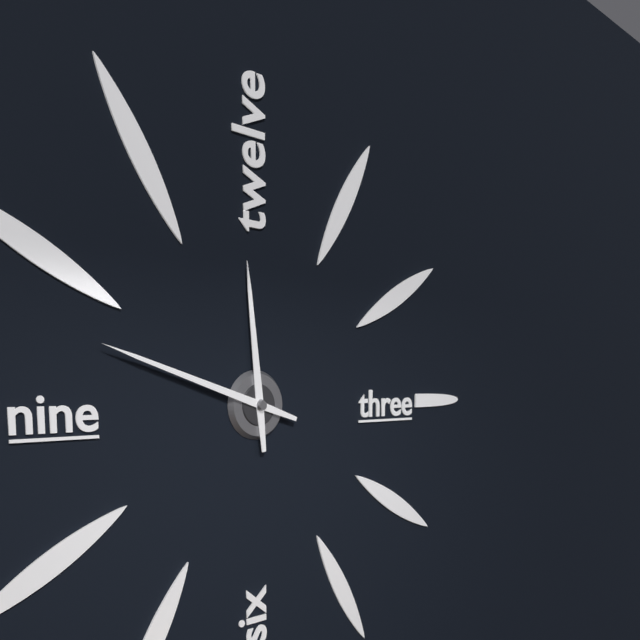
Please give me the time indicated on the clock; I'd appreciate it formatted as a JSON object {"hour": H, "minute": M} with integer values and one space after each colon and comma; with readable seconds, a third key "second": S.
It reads {"hour": 11, "minute": 48}
